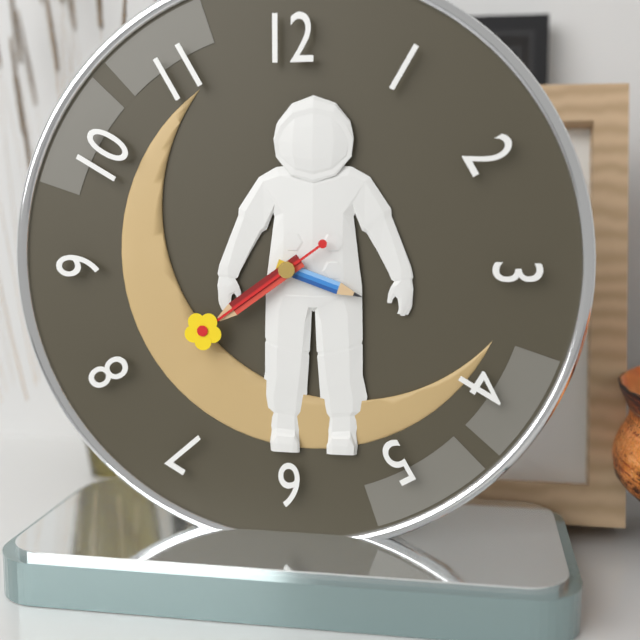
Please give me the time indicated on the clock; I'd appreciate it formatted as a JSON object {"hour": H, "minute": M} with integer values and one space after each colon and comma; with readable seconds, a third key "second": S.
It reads {"hour": 3, "minute": 39, "second": 39}
